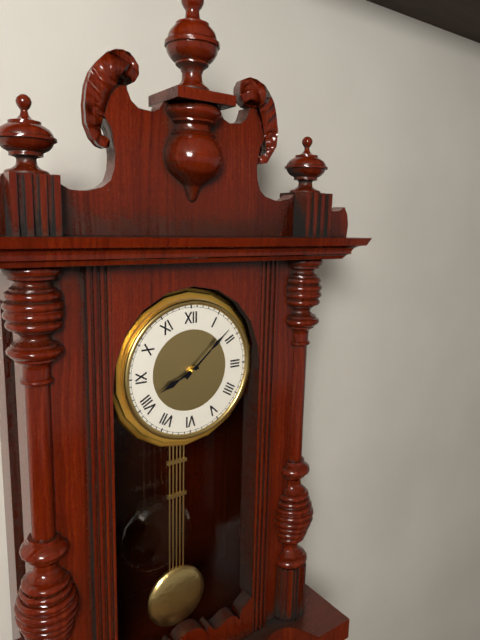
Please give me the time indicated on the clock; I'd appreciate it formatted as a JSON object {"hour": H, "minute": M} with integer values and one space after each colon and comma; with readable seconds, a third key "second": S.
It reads {"hour": 8, "minute": 8}
